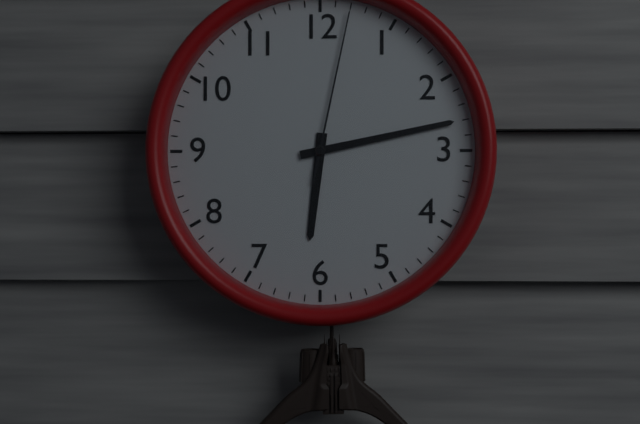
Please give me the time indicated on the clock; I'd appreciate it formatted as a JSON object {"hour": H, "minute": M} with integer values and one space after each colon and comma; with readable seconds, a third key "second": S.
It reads {"hour": 6, "minute": 13, "second": 2}
